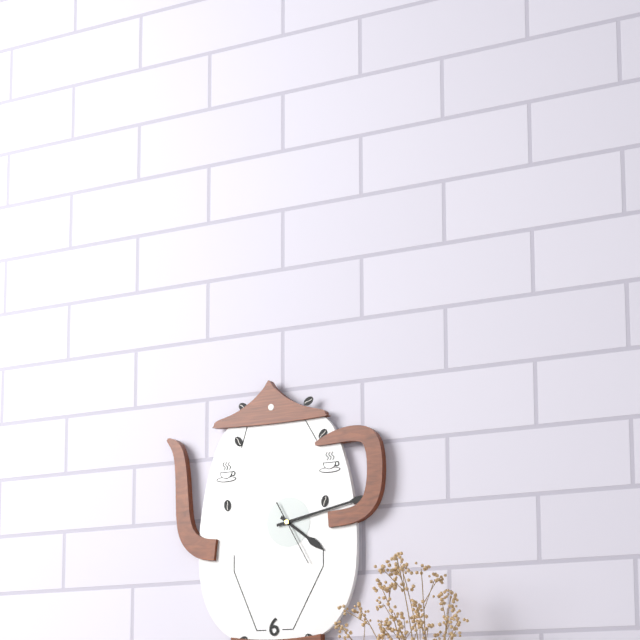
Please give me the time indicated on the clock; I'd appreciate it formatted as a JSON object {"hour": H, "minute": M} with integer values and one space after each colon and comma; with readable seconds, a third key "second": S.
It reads {"hour": 4, "minute": 13, "second": 25}
